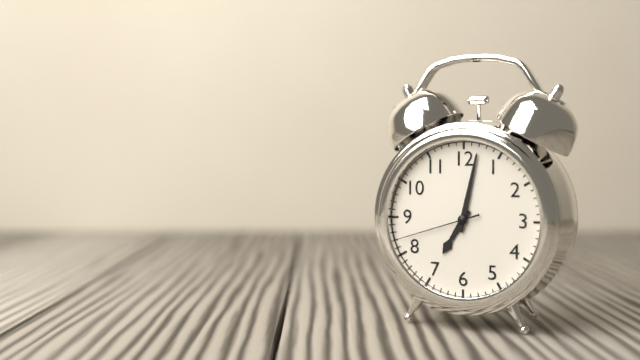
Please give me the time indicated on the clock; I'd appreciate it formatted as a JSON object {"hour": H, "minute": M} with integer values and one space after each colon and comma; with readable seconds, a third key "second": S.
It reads {"hour": 7, "minute": 2, "second": 42}
